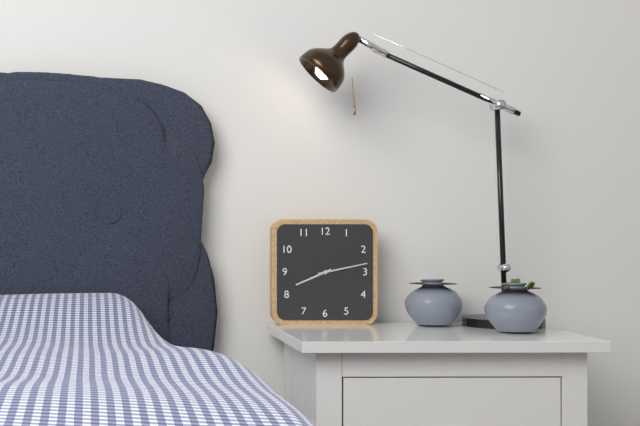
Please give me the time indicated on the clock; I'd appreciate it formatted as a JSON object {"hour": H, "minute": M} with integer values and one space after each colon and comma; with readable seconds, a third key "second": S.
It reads {"hour": 8, "minute": 13}
